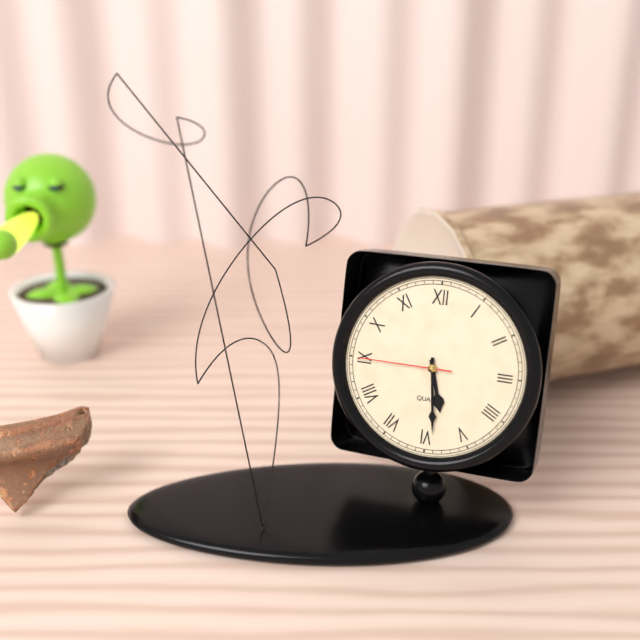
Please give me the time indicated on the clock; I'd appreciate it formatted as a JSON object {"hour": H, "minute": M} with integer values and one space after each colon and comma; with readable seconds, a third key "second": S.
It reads {"hour": 5, "minute": 29, "second": 45}
